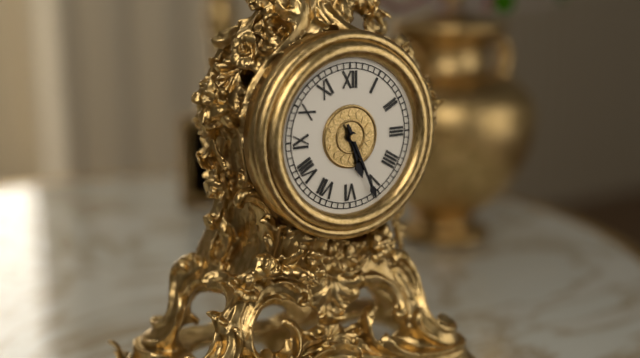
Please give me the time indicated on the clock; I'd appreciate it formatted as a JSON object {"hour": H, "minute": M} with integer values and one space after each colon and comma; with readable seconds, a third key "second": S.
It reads {"hour": 5, "minute": 26}
